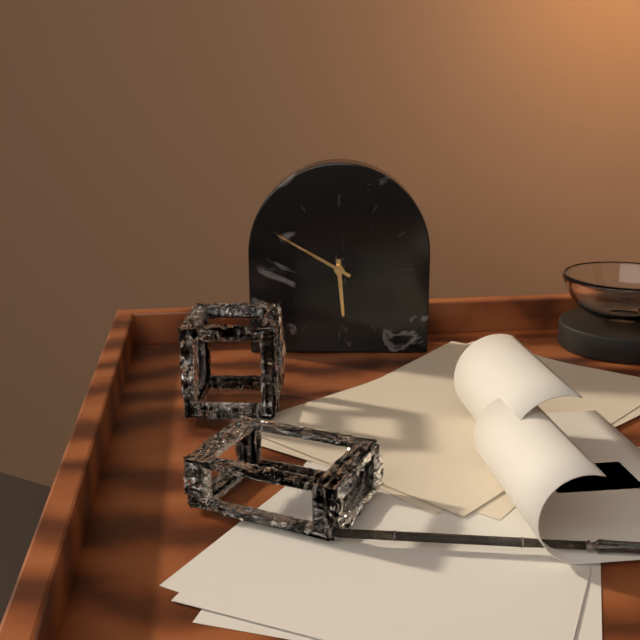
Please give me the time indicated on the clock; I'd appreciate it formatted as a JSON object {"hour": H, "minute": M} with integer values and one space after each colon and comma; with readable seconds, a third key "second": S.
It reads {"hour": 5, "minute": 50}
